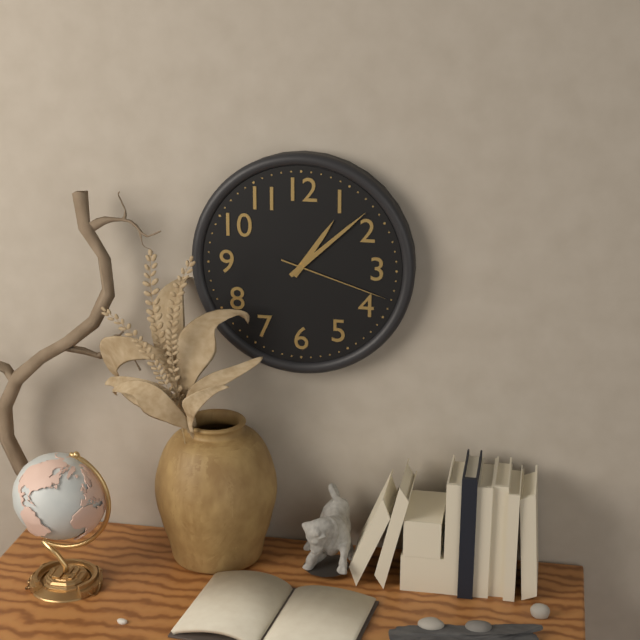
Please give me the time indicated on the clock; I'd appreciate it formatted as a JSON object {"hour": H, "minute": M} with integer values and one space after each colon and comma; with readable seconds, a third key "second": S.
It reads {"hour": 1, "minute": 8, "second": 18}
